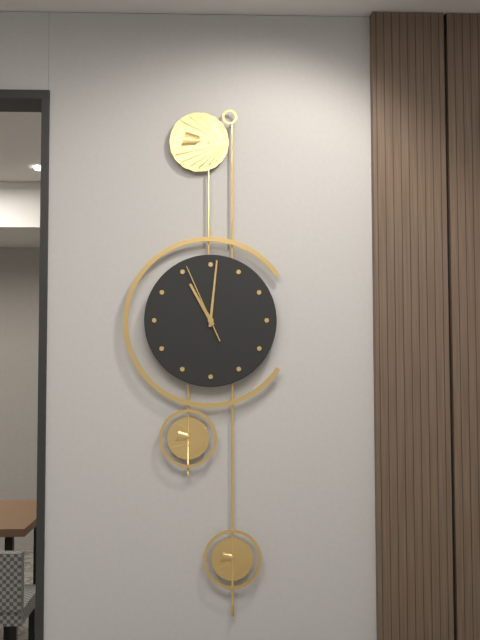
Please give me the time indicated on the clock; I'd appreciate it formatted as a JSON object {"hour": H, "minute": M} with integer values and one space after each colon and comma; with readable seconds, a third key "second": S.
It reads {"hour": 11, "minute": 1, "second": 56}
